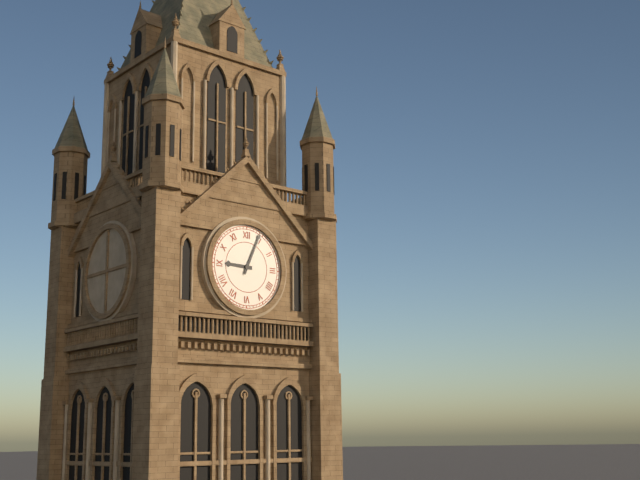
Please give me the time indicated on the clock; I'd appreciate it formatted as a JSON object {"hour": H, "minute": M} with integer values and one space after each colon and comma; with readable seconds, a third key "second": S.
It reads {"hour": 9, "minute": 4}
